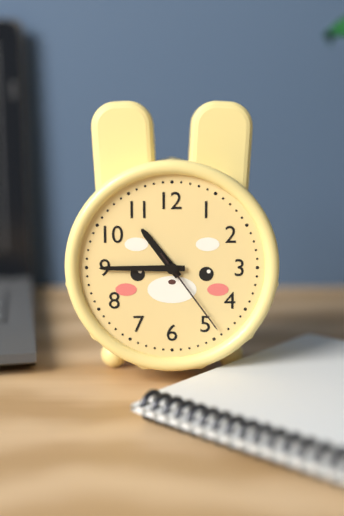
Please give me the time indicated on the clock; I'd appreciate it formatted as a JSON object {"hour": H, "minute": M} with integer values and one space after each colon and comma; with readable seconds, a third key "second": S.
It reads {"hour": 10, "minute": 45, "second": 24}
